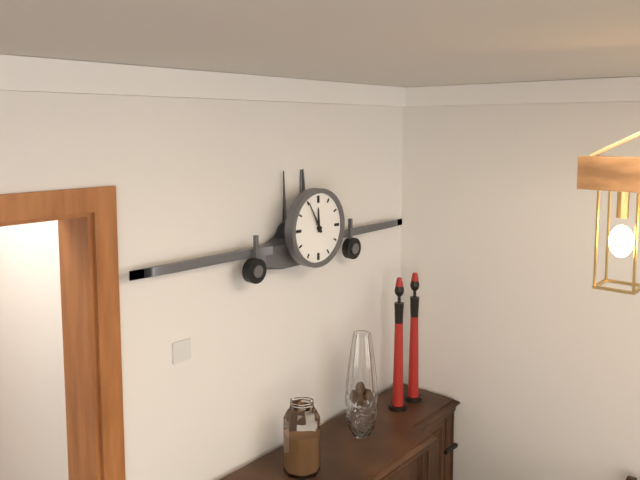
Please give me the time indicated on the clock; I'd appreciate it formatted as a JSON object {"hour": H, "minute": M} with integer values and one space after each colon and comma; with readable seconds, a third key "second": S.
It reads {"hour": 11, "minute": 55}
